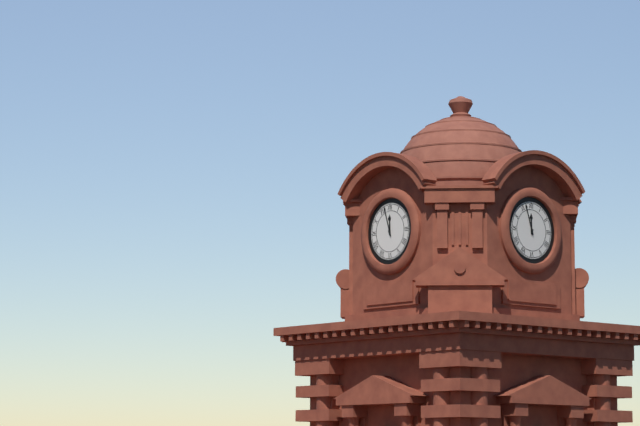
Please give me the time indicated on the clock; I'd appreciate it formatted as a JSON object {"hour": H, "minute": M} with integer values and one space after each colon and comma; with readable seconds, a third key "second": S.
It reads {"hour": 11, "minute": 57}
